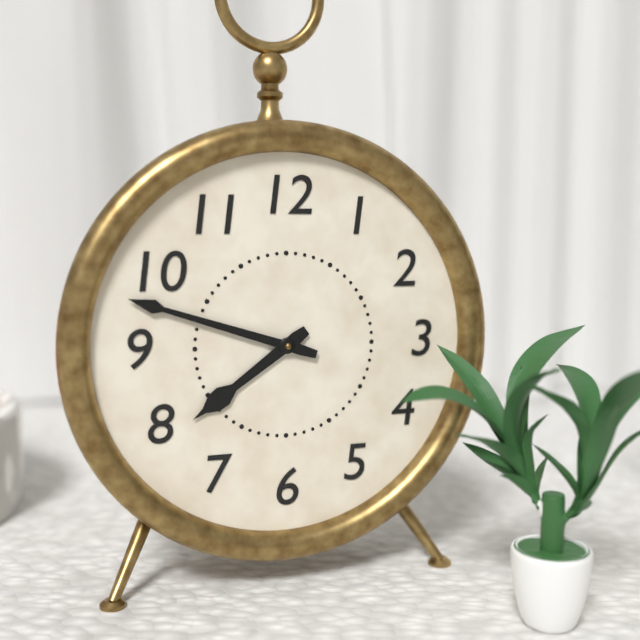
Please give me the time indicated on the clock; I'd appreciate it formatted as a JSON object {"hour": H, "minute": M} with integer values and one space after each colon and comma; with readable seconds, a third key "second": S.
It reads {"hour": 7, "minute": 48}
